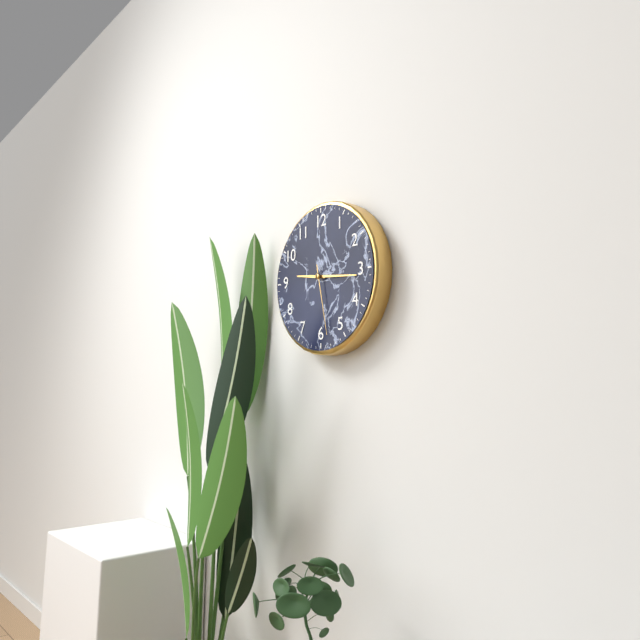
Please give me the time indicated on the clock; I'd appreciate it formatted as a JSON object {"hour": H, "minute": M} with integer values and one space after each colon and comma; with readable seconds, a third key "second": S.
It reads {"hour": 9, "minute": 16, "second": 28}
